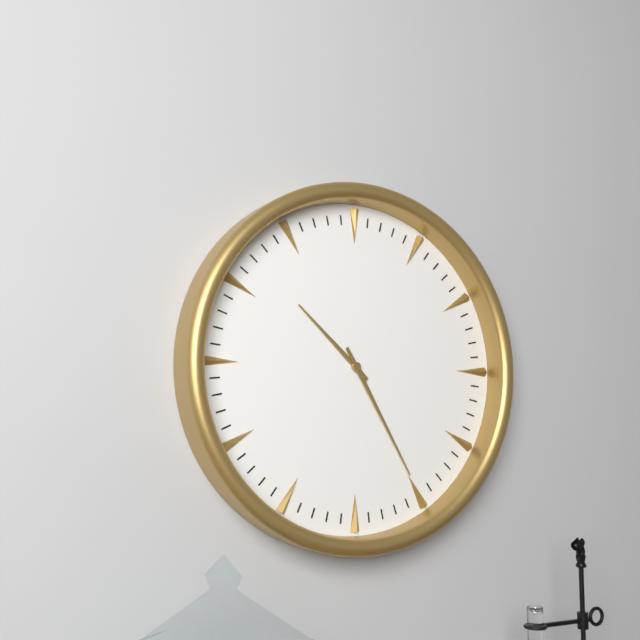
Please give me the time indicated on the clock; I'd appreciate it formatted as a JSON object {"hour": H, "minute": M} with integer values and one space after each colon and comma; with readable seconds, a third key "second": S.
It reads {"hour": 10, "minute": 25}
